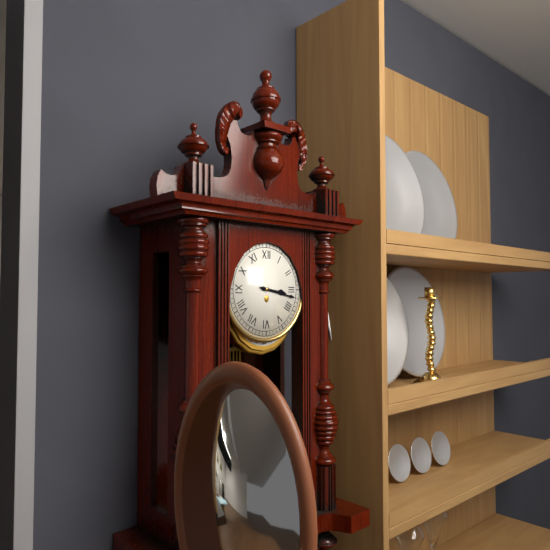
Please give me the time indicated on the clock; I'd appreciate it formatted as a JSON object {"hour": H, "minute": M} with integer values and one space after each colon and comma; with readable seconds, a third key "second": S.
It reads {"hour": 3, "minute": 17}
